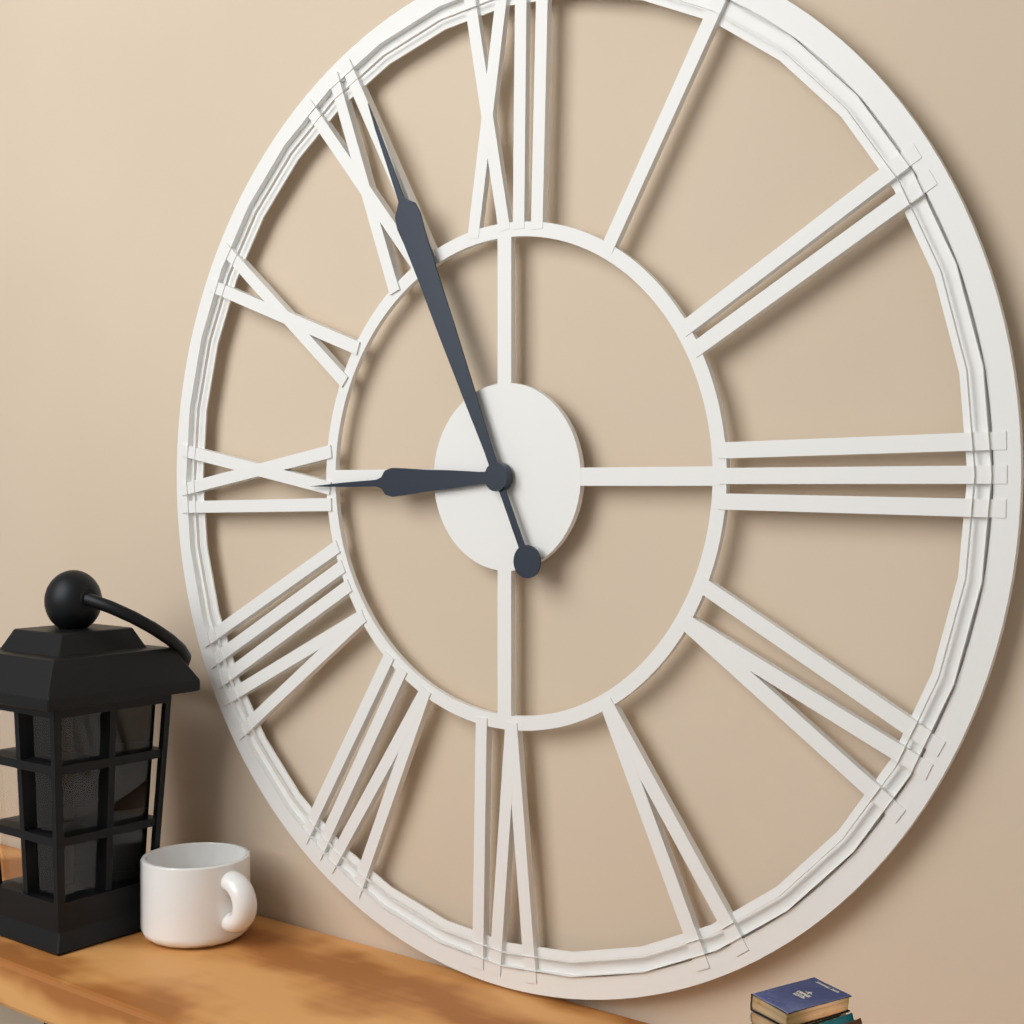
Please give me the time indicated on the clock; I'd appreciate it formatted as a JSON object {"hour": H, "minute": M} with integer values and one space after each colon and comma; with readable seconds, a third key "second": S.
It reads {"hour": 8, "minute": 56}
